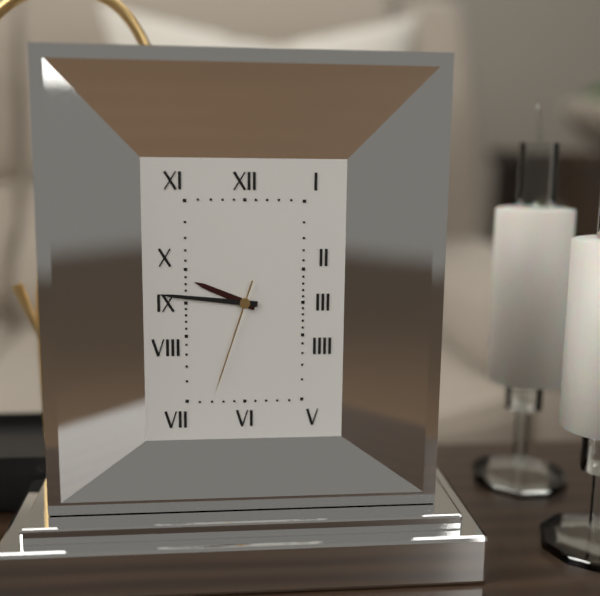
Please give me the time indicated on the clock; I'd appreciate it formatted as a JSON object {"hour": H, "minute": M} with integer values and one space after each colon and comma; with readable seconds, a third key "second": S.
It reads {"hour": 9, "minute": 46, "second": 33}
